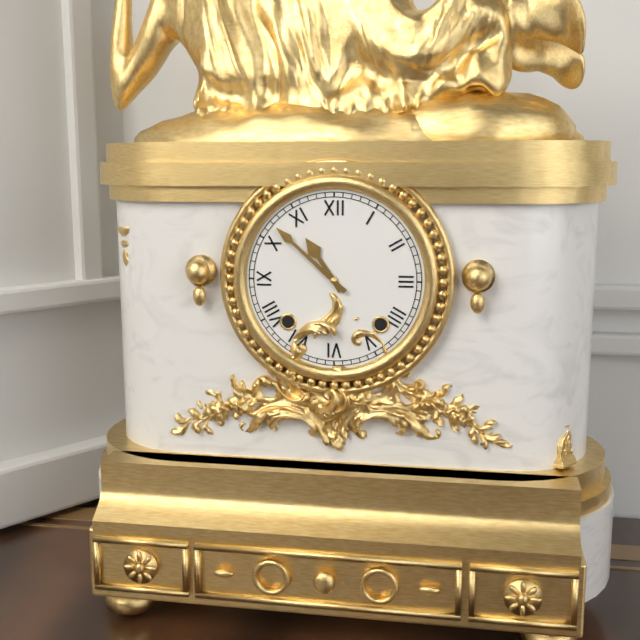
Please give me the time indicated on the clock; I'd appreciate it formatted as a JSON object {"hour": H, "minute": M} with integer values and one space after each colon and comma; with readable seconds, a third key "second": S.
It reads {"hour": 10, "minute": 52}
